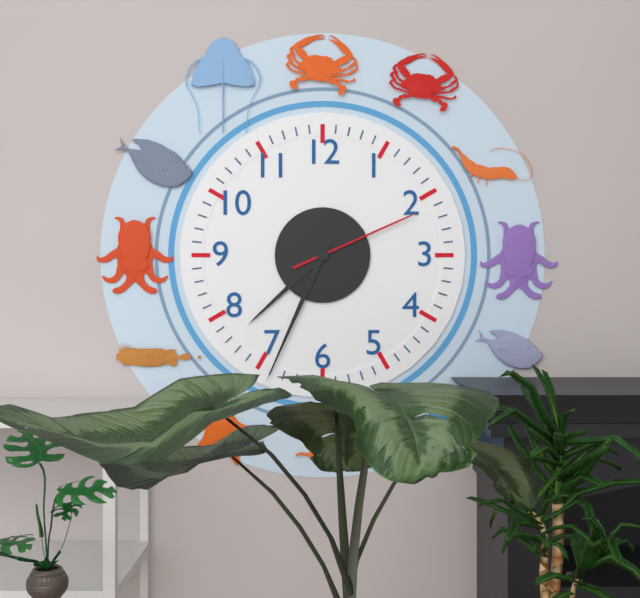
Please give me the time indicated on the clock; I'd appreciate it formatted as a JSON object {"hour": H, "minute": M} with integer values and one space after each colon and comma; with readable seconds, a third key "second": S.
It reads {"hour": 7, "minute": 34, "second": 11}
